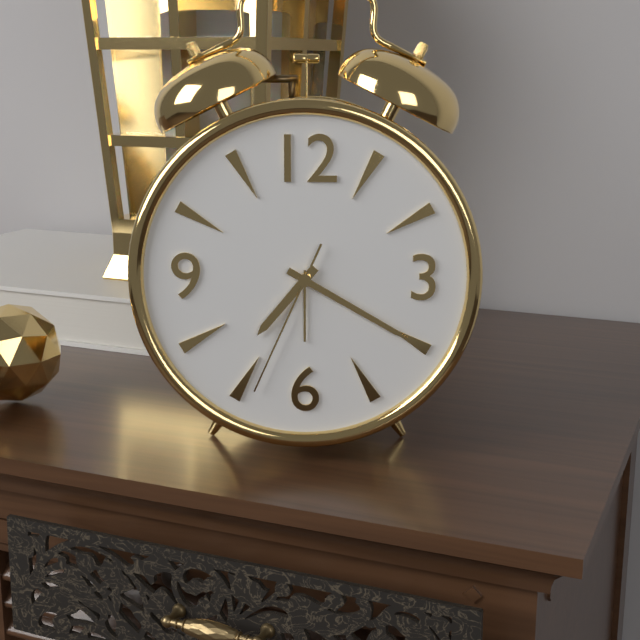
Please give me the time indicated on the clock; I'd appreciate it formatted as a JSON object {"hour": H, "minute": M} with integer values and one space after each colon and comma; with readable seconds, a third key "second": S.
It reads {"hour": 7, "minute": 20, "second": 34}
